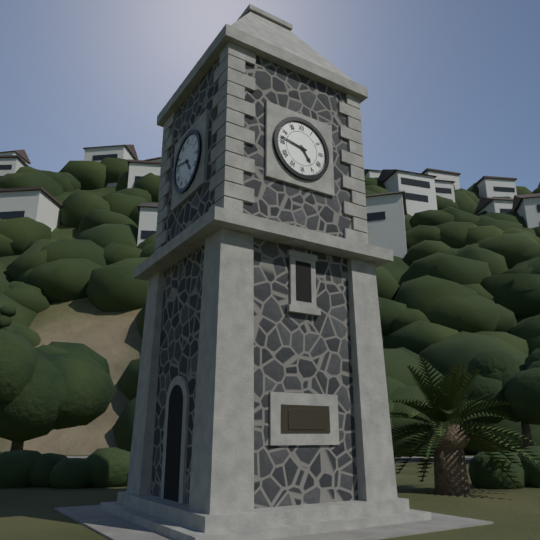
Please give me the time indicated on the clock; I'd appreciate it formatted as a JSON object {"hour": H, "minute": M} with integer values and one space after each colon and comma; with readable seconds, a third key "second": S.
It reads {"hour": 4, "minute": 47}
